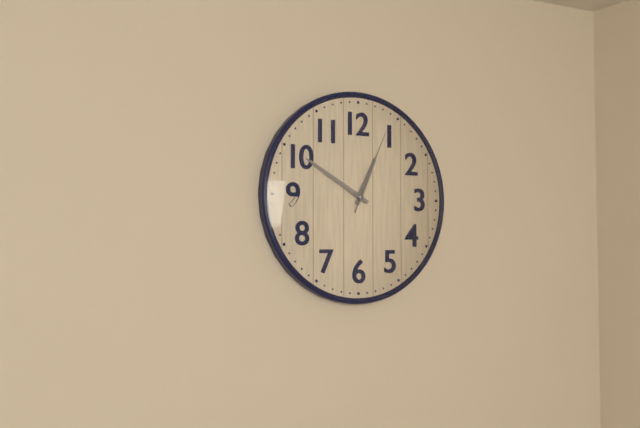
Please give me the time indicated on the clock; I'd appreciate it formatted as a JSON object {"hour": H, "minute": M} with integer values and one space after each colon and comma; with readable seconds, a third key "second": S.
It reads {"hour": 12, "minute": 50, "second": 4}
